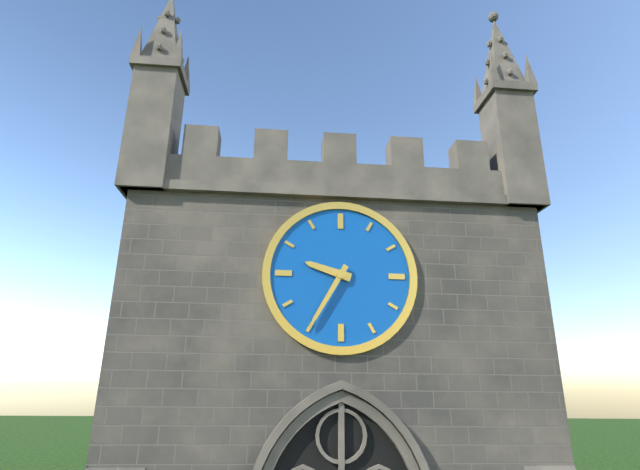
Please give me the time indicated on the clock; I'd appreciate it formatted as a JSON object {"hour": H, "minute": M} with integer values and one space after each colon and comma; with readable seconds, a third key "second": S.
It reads {"hour": 9, "minute": 35}
